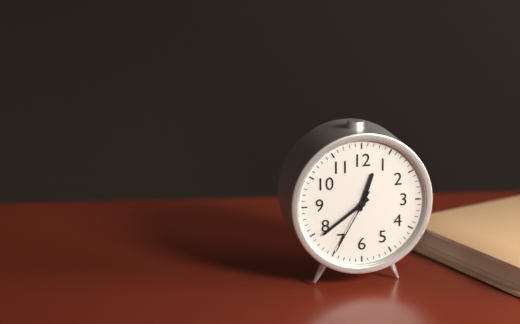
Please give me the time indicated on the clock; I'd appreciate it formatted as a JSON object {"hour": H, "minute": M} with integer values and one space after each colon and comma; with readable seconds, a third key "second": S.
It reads {"hour": 12, "minute": 39, "second": 35}
